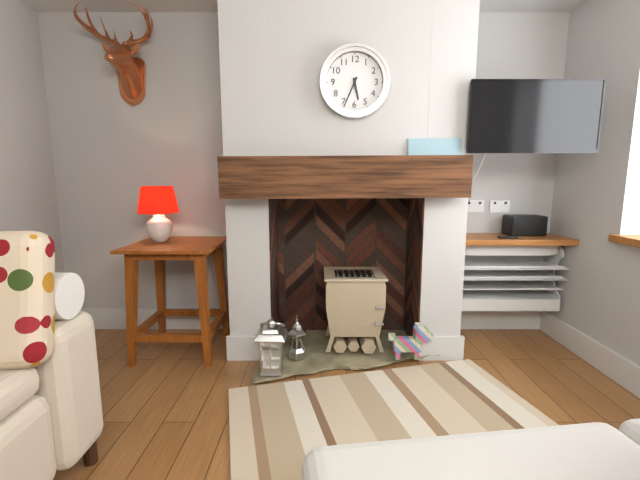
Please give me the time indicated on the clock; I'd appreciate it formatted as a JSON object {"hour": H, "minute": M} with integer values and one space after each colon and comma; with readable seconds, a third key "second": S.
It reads {"hour": 5, "minute": 34}
